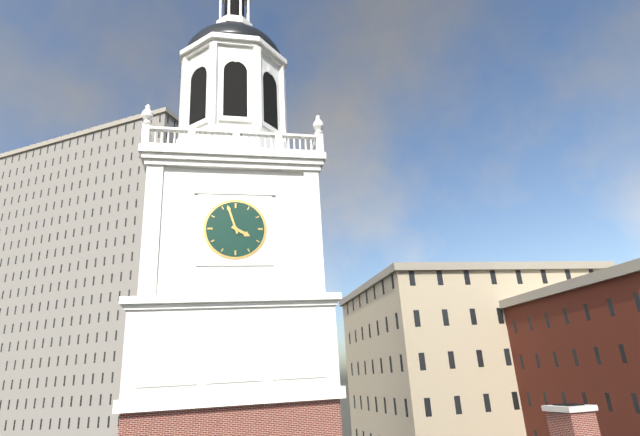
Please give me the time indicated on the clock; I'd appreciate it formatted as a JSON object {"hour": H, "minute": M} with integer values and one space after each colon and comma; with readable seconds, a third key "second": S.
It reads {"hour": 3, "minute": 57}
